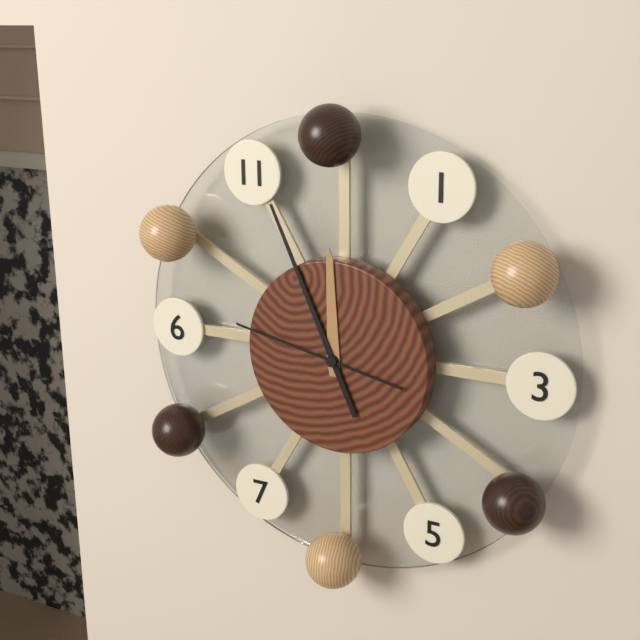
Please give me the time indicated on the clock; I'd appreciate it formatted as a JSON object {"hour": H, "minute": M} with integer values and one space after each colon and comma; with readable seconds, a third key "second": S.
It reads {"hour": 11, "minute": 56, "second": 47}
